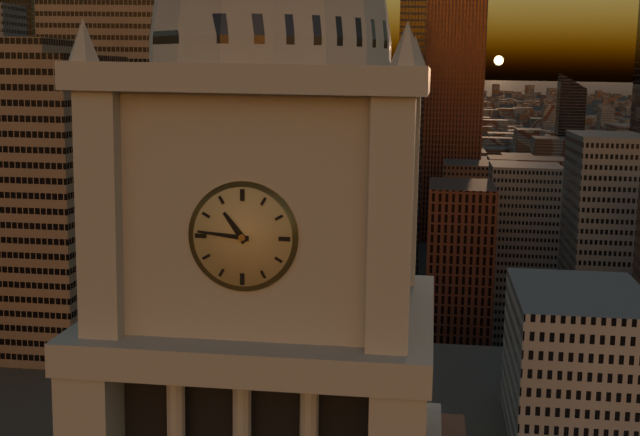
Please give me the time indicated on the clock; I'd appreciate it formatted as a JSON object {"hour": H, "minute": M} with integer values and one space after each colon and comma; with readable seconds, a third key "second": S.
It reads {"hour": 10, "minute": 46}
